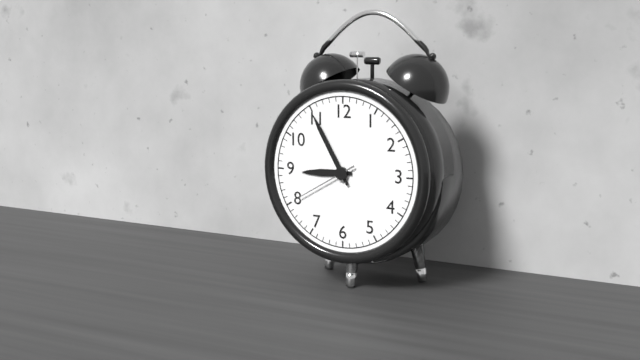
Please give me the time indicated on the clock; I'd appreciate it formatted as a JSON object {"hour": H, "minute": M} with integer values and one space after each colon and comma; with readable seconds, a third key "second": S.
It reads {"hour": 8, "minute": 55, "second": 40}
